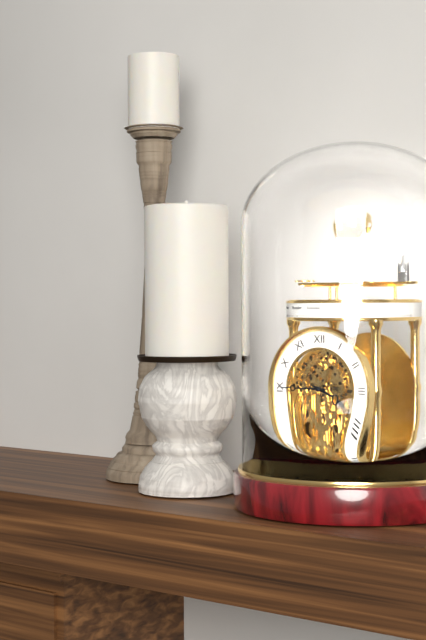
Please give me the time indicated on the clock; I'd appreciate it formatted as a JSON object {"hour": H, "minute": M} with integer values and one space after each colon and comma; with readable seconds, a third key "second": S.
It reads {"hour": 3, "minute": 45}
